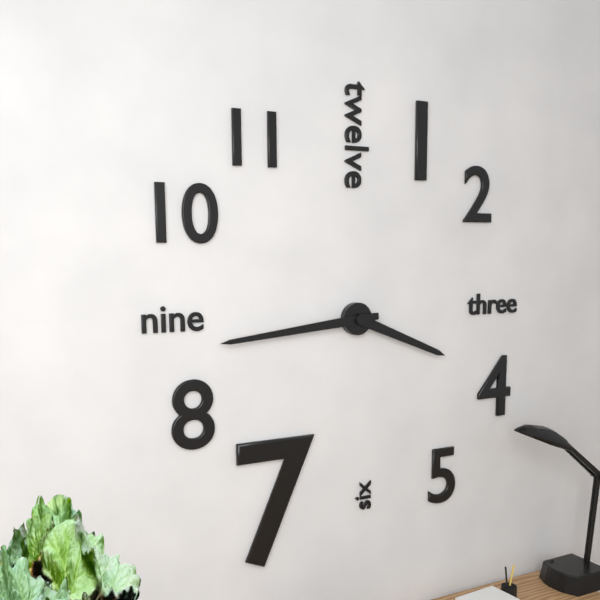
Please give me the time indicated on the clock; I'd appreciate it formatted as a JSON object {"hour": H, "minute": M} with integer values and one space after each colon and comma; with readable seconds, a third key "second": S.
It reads {"hour": 3, "minute": 44}
